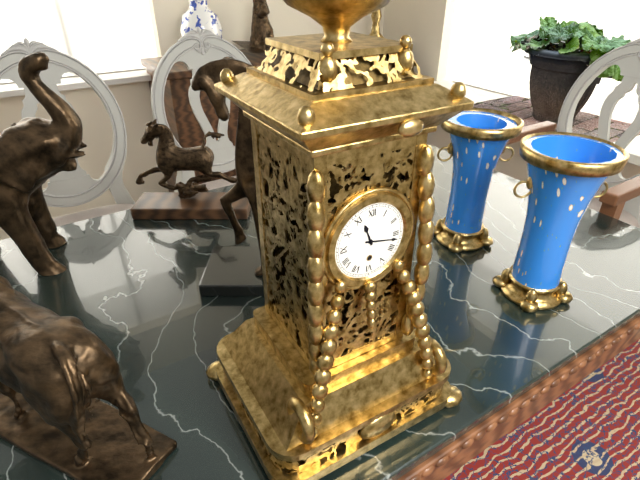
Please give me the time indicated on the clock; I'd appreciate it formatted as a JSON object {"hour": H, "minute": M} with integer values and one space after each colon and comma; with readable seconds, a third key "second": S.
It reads {"hour": 11, "minute": 17}
